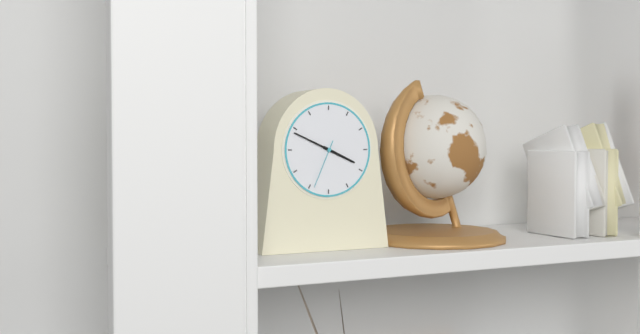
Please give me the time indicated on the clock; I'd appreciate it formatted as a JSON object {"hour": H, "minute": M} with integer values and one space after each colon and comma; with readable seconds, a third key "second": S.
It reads {"hour": 3, "minute": 49}
